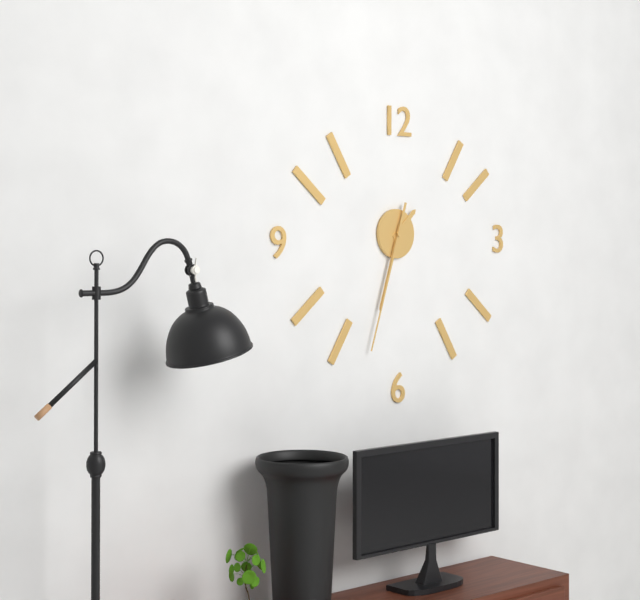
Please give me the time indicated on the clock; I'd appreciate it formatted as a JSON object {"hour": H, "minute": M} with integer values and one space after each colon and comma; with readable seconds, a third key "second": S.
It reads {"hour": 1, "minute": 33, "second": 33}
